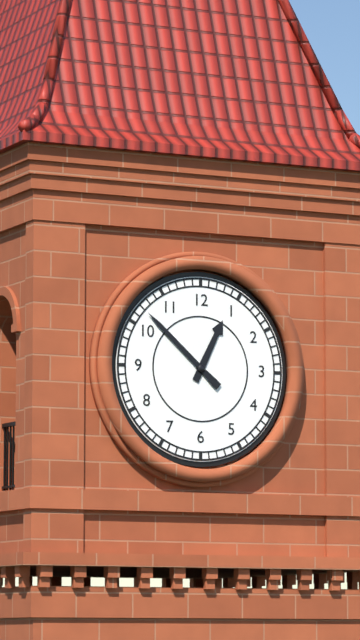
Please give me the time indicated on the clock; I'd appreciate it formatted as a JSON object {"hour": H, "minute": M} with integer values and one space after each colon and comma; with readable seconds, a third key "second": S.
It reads {"hour": 12, "minute": 52}
